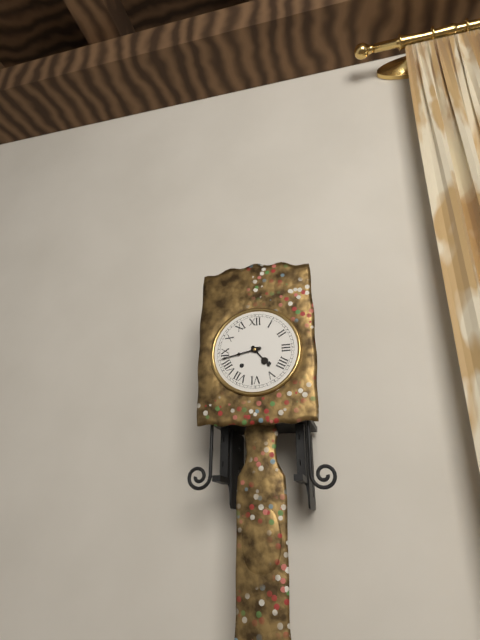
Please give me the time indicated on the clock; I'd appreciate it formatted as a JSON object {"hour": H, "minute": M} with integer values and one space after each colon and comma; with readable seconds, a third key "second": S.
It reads {"hour": 4, "minute": 43}
